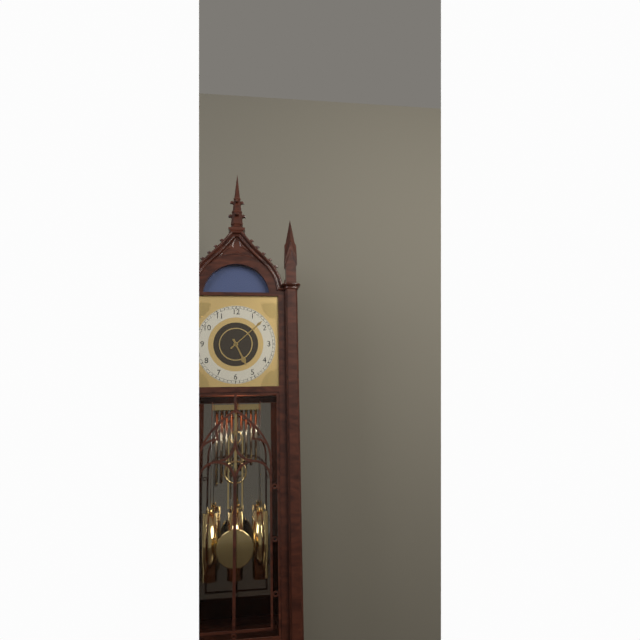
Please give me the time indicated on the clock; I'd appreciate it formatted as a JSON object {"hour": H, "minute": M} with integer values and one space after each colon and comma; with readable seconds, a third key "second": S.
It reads {"hour": 5, "minute": 8}
